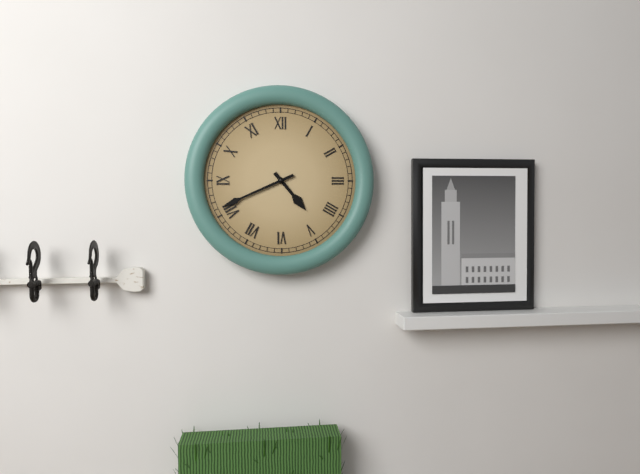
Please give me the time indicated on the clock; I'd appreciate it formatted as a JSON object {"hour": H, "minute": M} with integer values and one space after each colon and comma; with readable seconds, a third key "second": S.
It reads {"hour": 4, "minute": 41}
